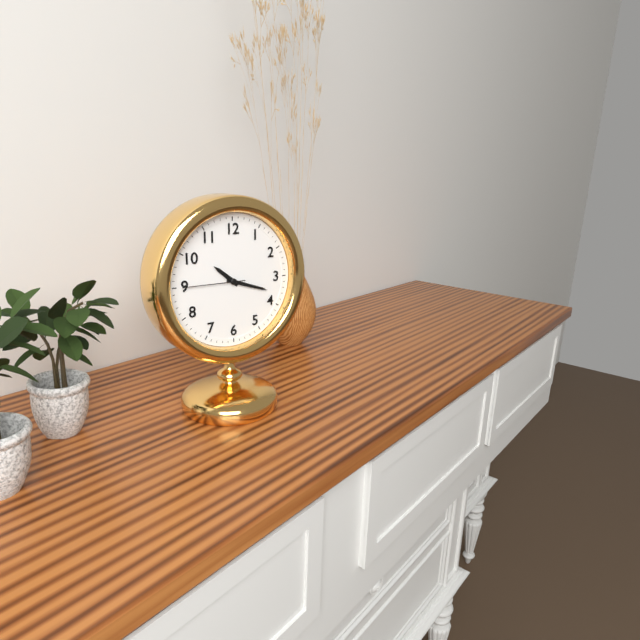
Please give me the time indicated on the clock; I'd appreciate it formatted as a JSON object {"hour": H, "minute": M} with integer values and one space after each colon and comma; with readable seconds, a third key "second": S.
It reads {"hour": 10, "minute": 18, "second": 45}
